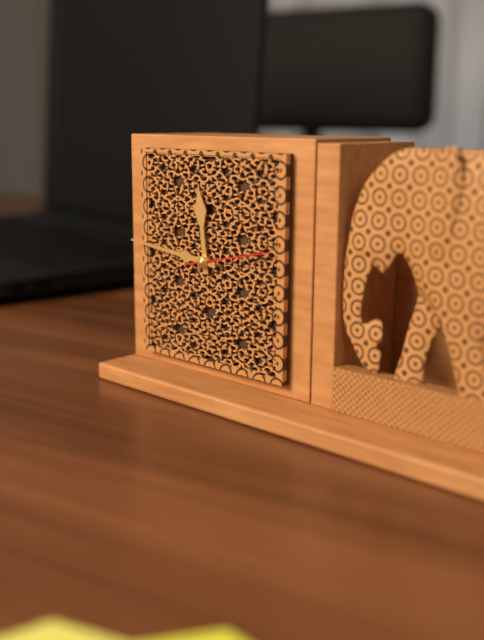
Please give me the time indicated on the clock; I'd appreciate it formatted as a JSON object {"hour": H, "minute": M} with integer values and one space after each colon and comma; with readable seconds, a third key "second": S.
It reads {"hour": 11, "minute": 46, "second": 13}
